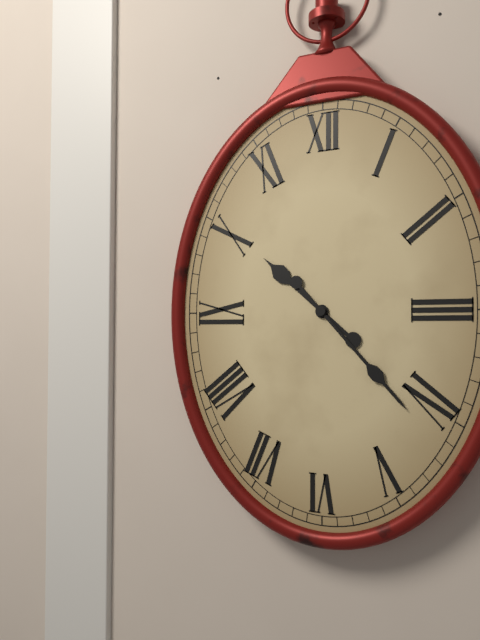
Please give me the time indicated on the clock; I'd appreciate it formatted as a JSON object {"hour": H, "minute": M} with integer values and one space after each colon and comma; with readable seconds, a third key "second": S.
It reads {"hour": 10, "minute": 23}
